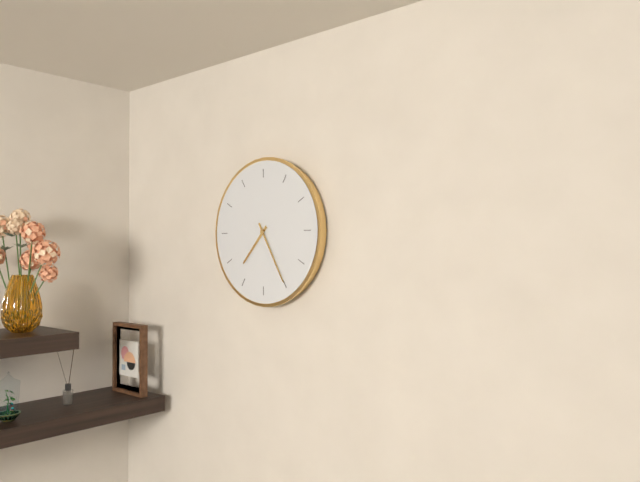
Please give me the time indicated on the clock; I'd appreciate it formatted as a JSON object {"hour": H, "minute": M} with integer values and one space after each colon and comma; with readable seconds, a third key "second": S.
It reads {"hour": 7, "minute": 25}
